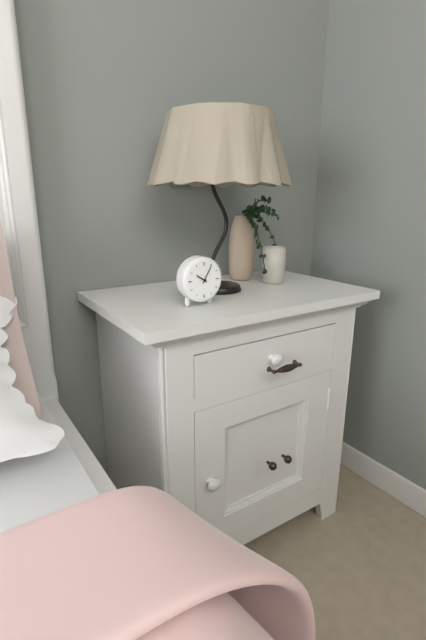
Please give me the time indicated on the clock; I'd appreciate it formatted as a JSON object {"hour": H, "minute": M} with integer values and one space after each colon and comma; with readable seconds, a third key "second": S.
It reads {"hour": 10, "minute": 5}
